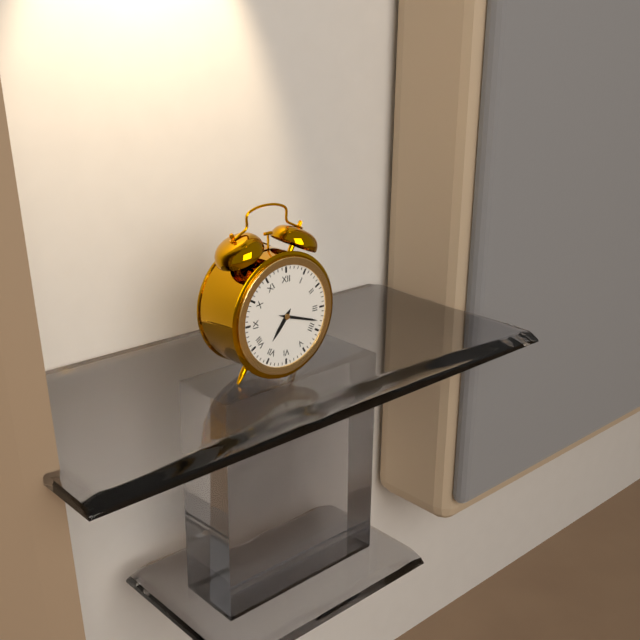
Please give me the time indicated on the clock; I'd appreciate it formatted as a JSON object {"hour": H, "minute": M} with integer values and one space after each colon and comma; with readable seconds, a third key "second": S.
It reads {"hour": 7, "minute": 18}
